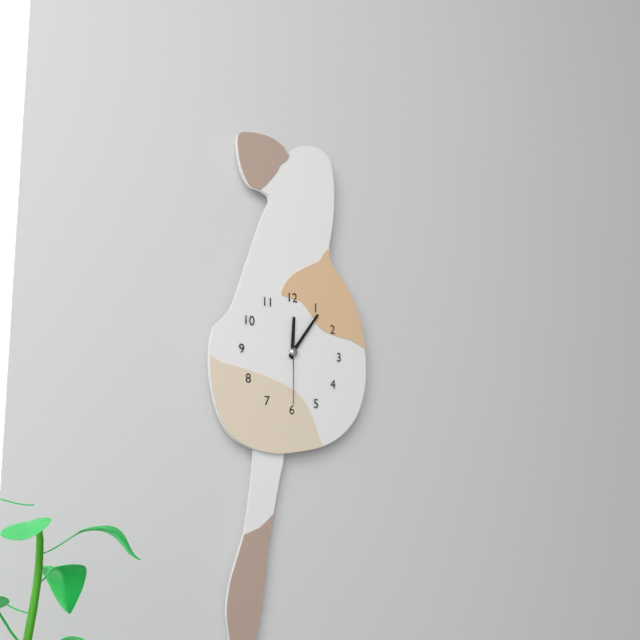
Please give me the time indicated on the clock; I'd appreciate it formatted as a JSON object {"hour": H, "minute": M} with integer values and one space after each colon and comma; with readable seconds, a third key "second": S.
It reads {"hour": 12, "minute": 6, "second": 30}
